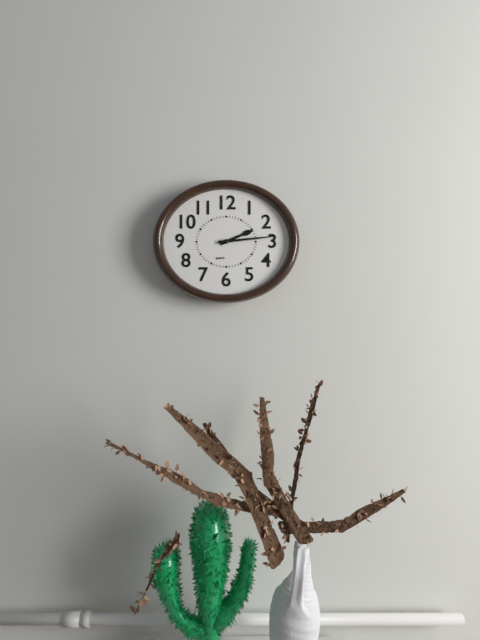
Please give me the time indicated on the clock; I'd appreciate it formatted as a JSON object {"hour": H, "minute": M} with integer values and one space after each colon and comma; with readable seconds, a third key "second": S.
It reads {"hour": 2, "minute": 14}
